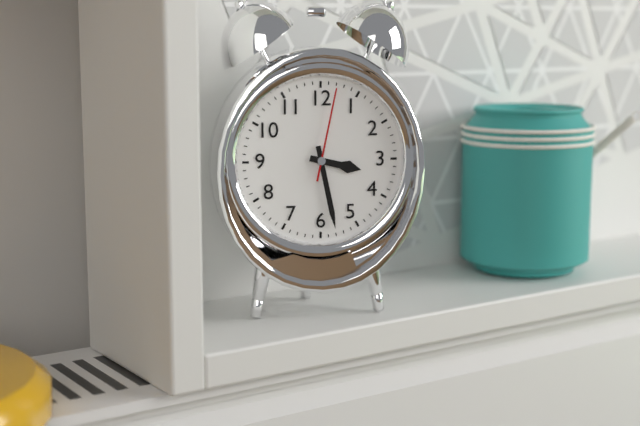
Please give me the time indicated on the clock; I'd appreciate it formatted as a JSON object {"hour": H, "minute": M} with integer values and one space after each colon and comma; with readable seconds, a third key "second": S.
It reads {"hour": 3, "minute": 28, "second": 2}
